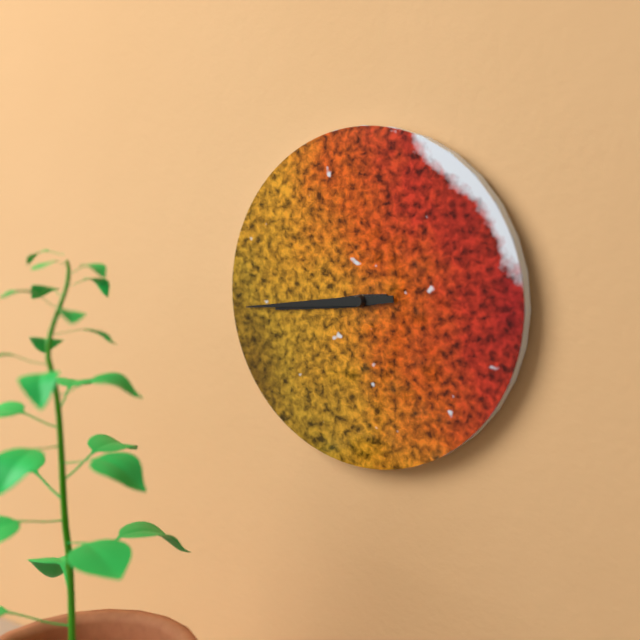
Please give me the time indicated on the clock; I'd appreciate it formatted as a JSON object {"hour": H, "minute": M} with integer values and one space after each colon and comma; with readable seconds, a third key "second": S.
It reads {"hour": 8, "minute": 44}
